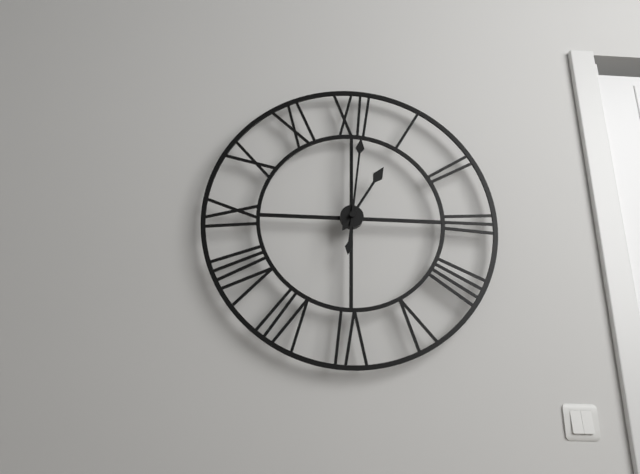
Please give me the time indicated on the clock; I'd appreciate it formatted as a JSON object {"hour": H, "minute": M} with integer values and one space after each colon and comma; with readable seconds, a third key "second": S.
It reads {"hour": 1, "minute": 1}
